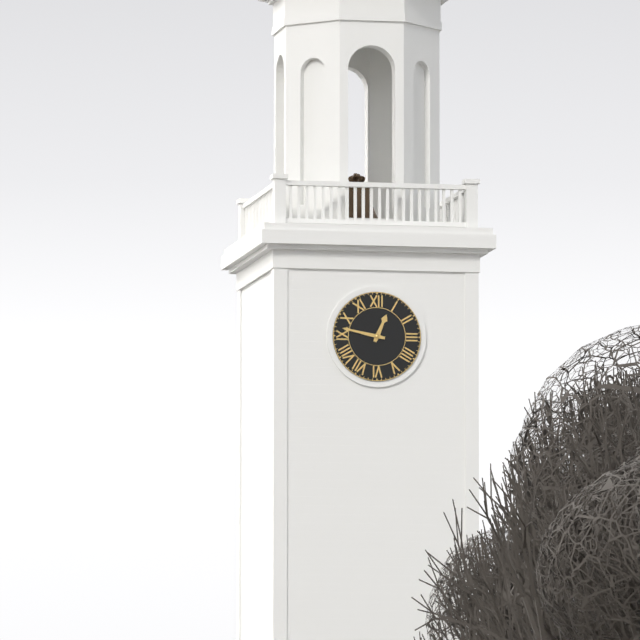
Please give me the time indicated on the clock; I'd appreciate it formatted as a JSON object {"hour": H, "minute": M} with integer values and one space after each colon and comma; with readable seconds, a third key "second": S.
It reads {"hour": 12, "minute": 47}
